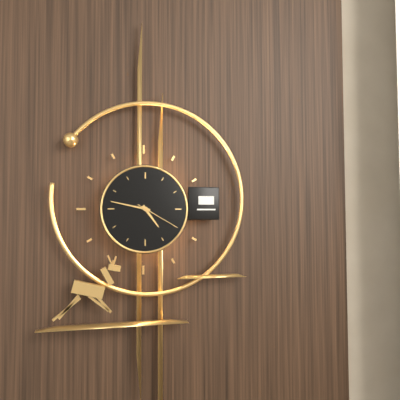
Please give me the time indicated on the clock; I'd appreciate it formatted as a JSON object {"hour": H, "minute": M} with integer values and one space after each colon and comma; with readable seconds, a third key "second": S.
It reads {"hour": 4, "minute": 47}
